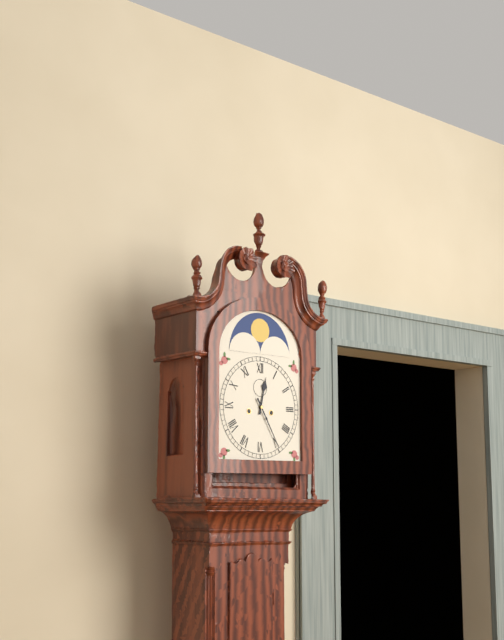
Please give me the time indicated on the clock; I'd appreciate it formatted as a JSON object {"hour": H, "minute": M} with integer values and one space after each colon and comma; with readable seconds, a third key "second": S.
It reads {"hour": 12, "minute": 25}
